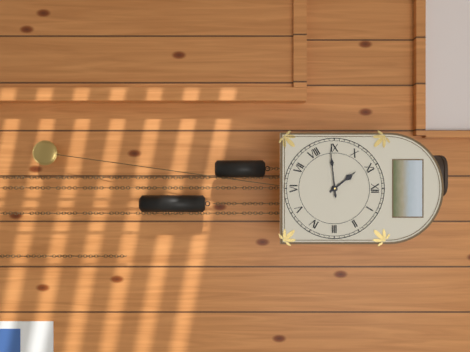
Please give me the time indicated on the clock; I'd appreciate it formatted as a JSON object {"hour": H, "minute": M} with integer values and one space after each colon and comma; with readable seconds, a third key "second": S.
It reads {"hour": 10, "minute": 44}
